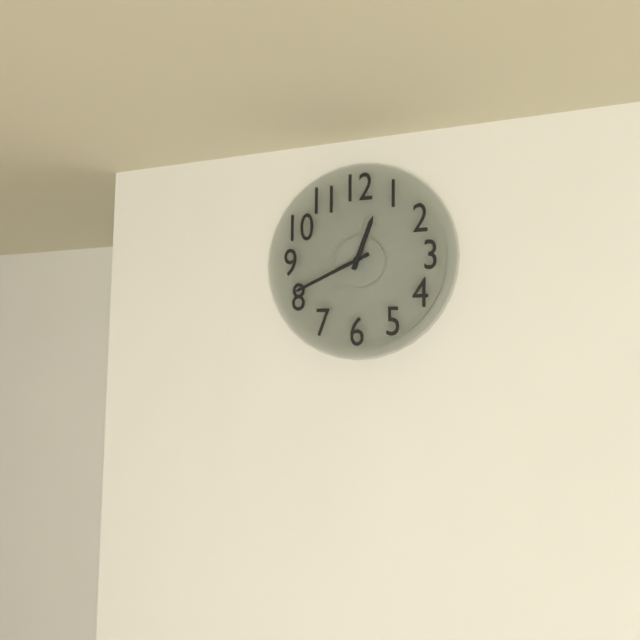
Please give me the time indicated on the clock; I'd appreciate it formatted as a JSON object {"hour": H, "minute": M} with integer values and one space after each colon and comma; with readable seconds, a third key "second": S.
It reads {"hour": 12, "minute": 41}
